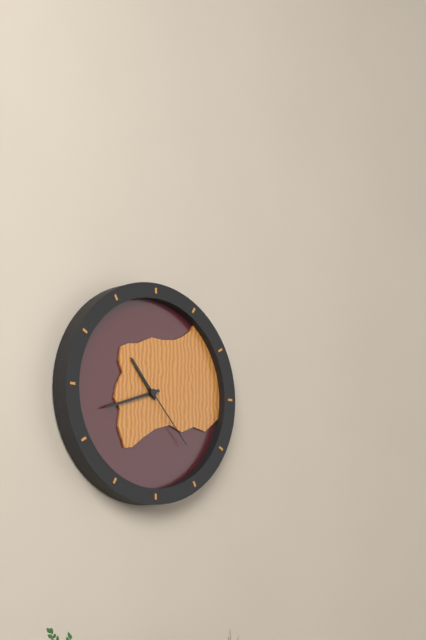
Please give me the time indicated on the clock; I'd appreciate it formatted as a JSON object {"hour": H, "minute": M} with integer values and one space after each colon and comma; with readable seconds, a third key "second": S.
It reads {"hour": 10, "minute": 42, "second": 23}
